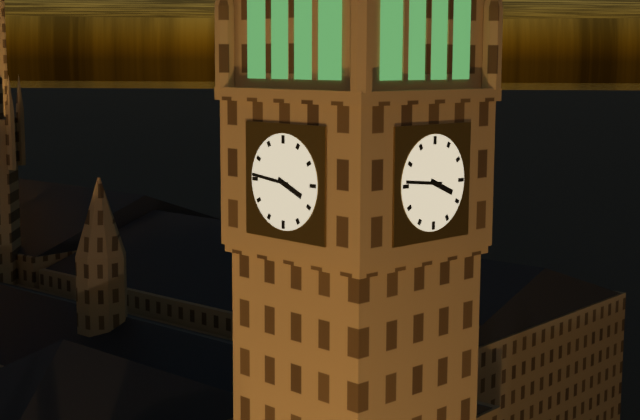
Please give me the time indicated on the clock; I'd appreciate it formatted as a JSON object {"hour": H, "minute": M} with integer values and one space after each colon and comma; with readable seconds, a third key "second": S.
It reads {"hour": 3, "minute": 46}
